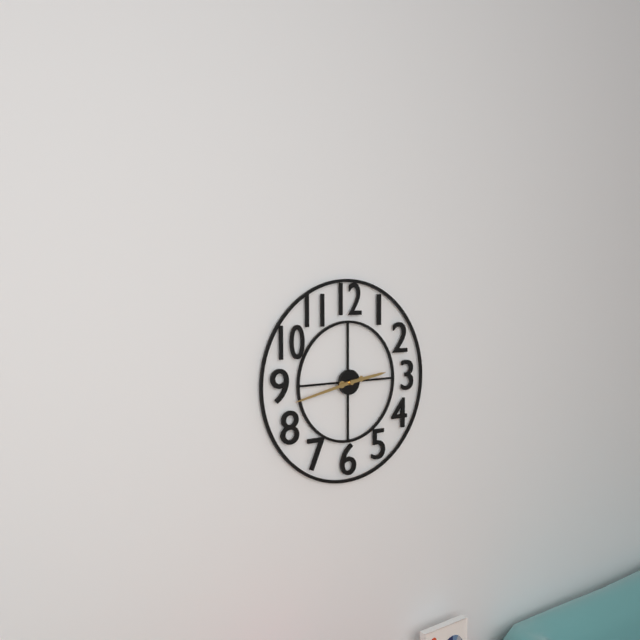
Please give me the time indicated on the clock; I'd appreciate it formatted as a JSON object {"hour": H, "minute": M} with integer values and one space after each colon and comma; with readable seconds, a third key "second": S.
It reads {"hour": 2, "minute": 43}
